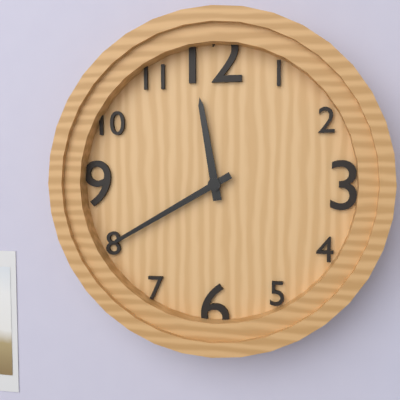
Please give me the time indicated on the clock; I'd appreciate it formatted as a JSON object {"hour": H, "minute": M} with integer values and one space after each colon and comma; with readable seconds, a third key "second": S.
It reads {"hour": 11, "minute": 40}
